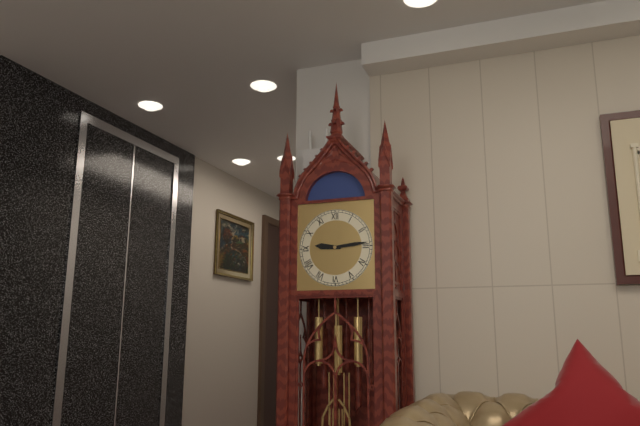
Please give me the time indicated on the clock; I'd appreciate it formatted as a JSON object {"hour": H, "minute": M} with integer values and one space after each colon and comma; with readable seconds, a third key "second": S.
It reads {"hour": 9, "minute": 14}
